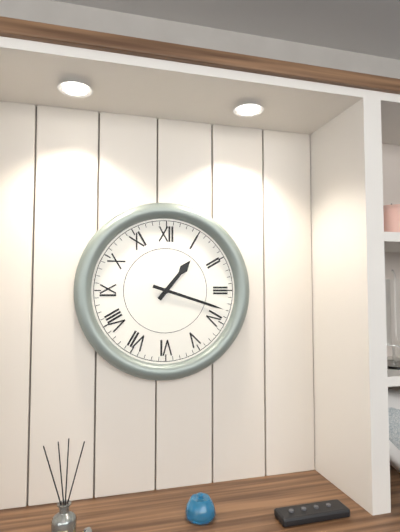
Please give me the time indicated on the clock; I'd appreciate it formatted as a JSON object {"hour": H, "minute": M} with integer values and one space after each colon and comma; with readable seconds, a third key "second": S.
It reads {"hour": 1, "minute": 18}
